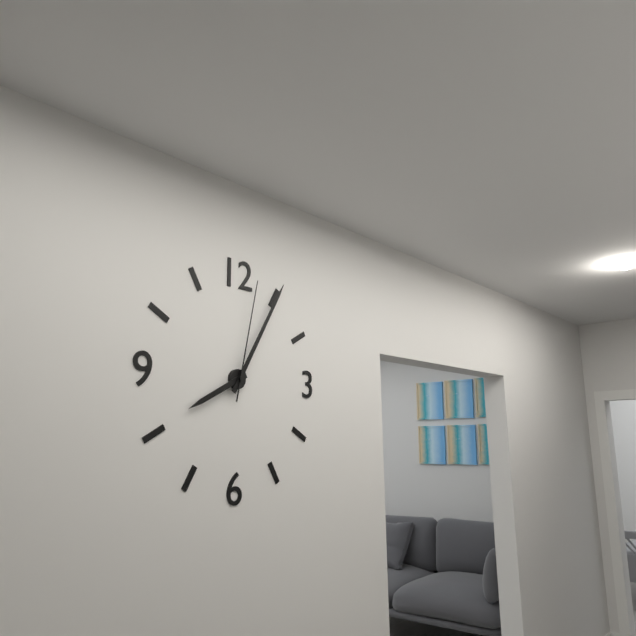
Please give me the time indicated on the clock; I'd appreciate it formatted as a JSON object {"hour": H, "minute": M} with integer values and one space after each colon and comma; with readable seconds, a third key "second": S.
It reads {"hour": 8, "minute": 5, "second": 2}
